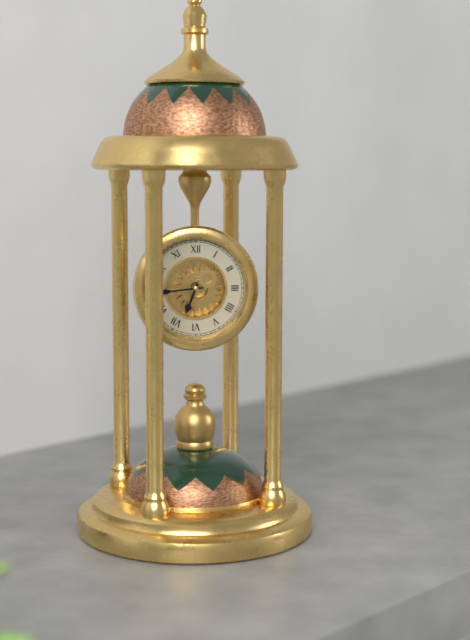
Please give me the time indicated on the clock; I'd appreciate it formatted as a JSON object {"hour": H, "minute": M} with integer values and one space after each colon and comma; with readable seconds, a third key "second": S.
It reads {"hour": 6, "minute": 44}
